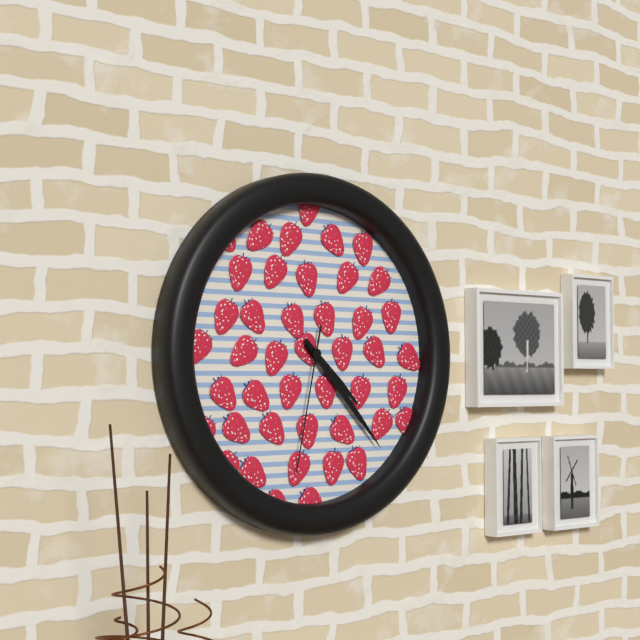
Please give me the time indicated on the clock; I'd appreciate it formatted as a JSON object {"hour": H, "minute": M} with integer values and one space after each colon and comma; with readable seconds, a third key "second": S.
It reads {"hour": 4, "minute": 23, "second": 32}
